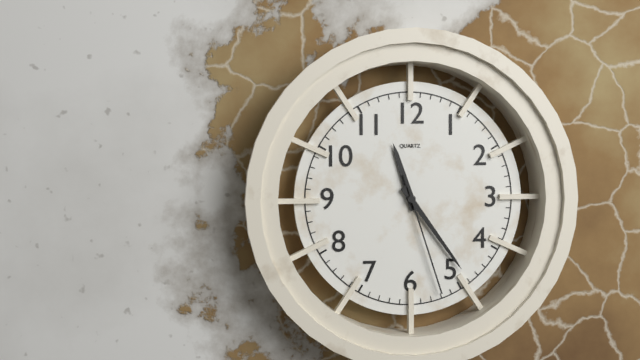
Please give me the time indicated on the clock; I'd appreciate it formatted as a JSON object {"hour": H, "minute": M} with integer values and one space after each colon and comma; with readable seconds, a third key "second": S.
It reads {"hour": 11, "minute": 24, "second": 27}
